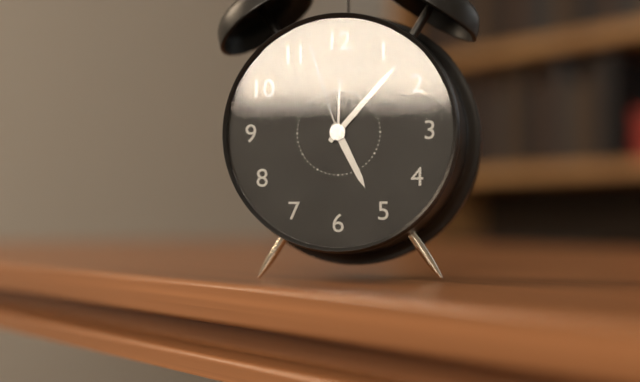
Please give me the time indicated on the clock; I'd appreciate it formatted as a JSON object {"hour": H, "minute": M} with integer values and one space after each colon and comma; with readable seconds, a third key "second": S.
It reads {"hour": 5, "minute": 7, "second": 57}
